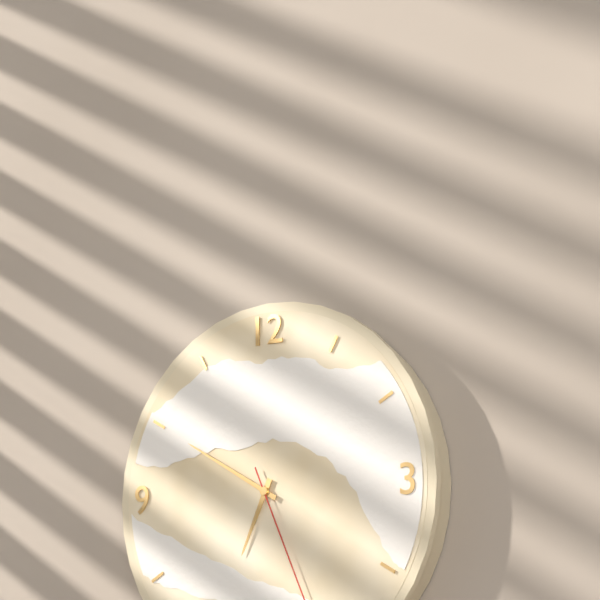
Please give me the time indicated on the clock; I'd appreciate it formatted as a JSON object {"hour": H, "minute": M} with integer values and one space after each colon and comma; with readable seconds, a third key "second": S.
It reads {"hour": 6, "minute": 50}
